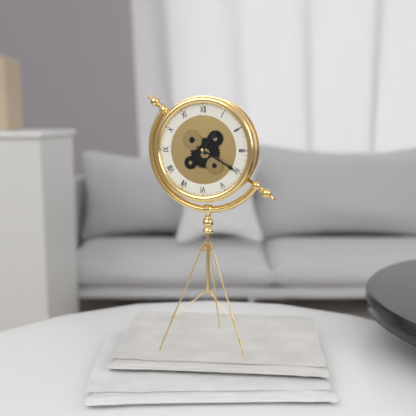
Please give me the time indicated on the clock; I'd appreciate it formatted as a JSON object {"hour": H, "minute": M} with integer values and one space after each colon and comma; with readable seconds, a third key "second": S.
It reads {"hour": 1, "minute": 20}
